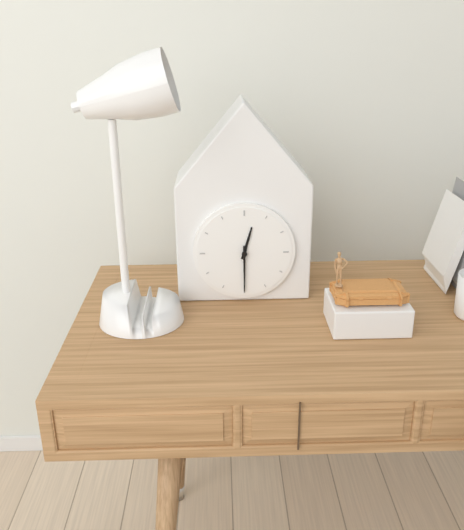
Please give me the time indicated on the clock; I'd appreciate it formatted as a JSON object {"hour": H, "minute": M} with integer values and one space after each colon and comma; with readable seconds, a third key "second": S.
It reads {"hour": 12, "minute": 30}
